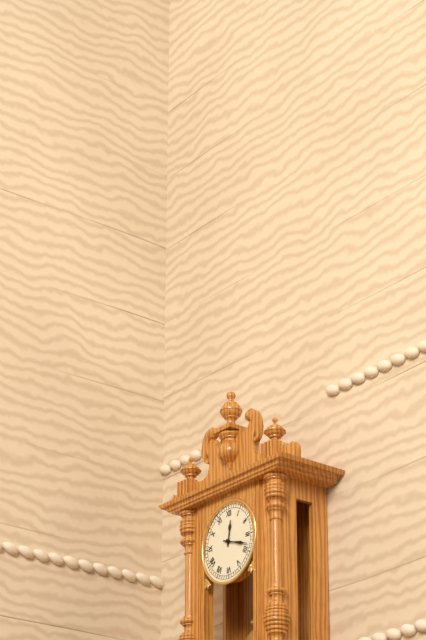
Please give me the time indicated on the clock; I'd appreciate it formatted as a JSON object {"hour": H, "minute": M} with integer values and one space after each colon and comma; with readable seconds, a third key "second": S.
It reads {"hour": 12, "minute": 18}
